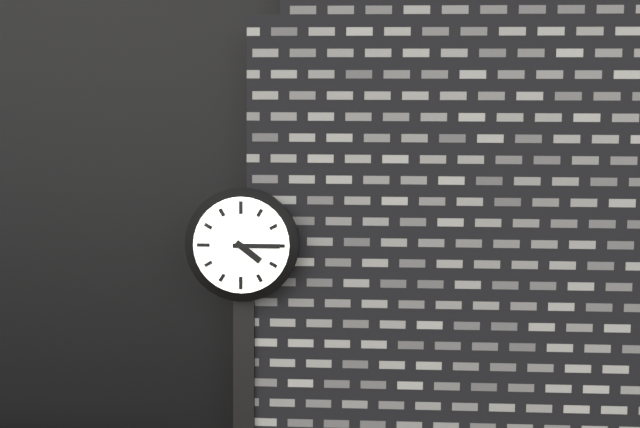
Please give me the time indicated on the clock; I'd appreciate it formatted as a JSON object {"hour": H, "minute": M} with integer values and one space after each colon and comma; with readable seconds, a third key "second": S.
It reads {"hour": 4, "minute": 15}
